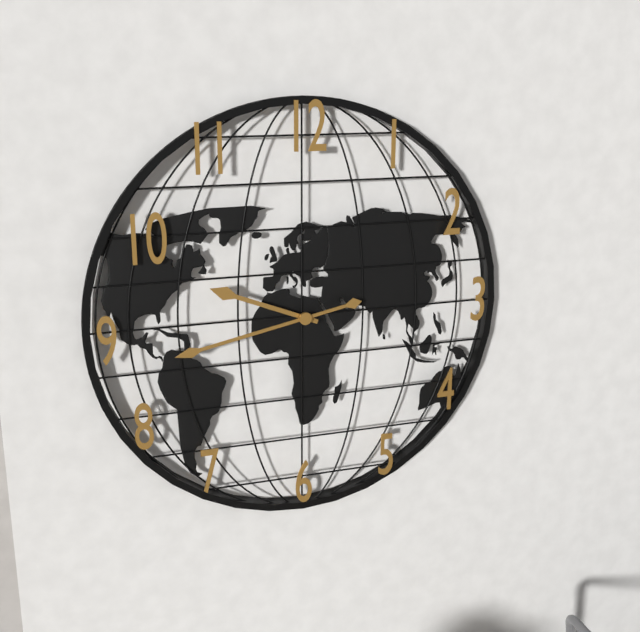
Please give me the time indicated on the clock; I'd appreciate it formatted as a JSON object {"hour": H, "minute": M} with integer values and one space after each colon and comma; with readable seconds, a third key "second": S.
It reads {"hour": 9, "minute": 43}
